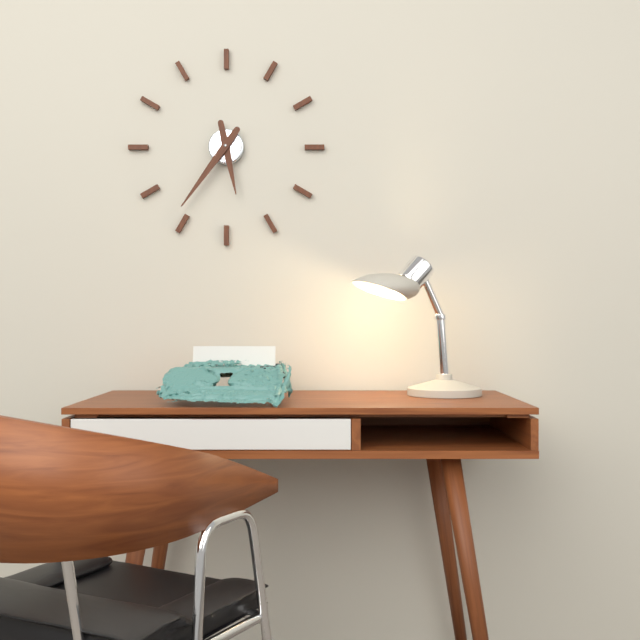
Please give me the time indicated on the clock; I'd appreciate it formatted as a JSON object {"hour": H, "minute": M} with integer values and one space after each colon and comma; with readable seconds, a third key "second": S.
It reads {"hour": 5, "minute": 36}
